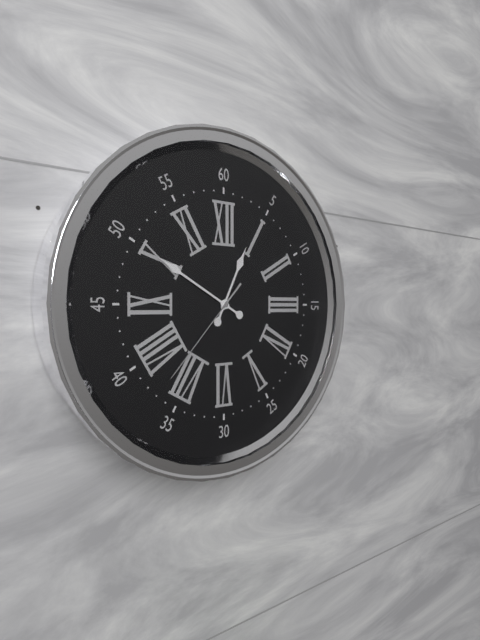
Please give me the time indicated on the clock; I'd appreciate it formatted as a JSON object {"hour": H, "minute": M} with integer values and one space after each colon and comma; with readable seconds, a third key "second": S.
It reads {"hour": 12, "minute": 50, "second": 37}
